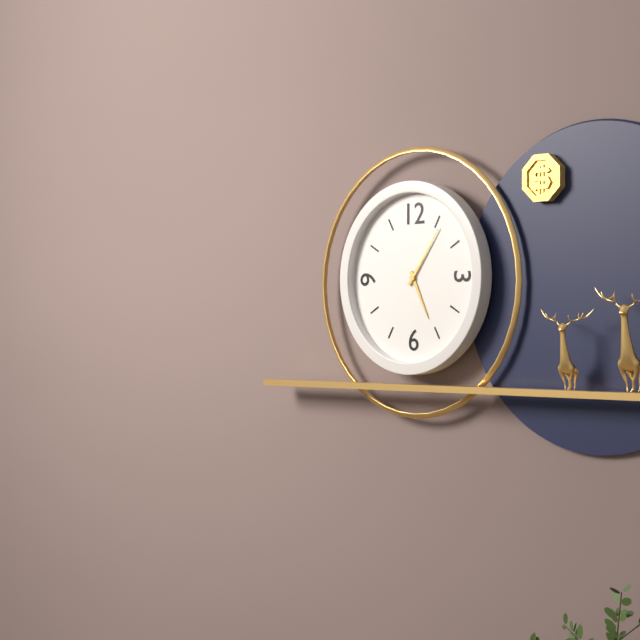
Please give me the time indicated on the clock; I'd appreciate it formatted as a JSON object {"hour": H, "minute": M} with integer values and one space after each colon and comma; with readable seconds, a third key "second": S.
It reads {"hour": 5, "minute": 6}
